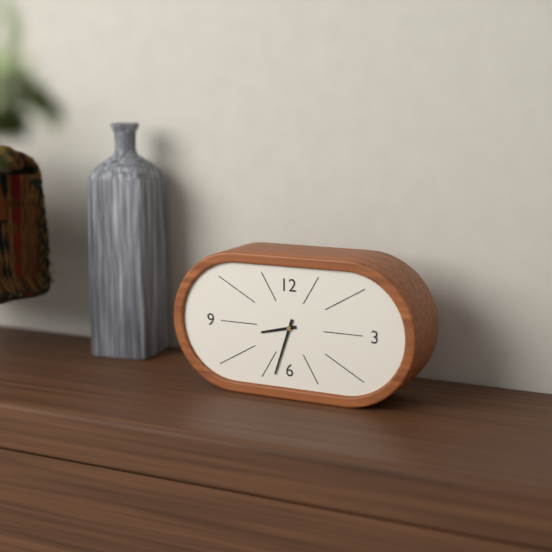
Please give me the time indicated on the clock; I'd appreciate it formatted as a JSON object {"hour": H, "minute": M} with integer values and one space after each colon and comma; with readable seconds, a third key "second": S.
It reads {"hour": 8, "minute": 33}
